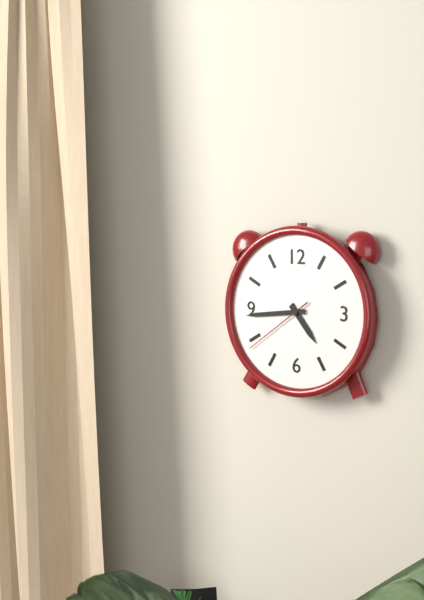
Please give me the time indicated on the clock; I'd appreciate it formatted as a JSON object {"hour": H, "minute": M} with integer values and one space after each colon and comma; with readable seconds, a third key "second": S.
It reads {"hour": 4, "minute": 44, "second": 39}
